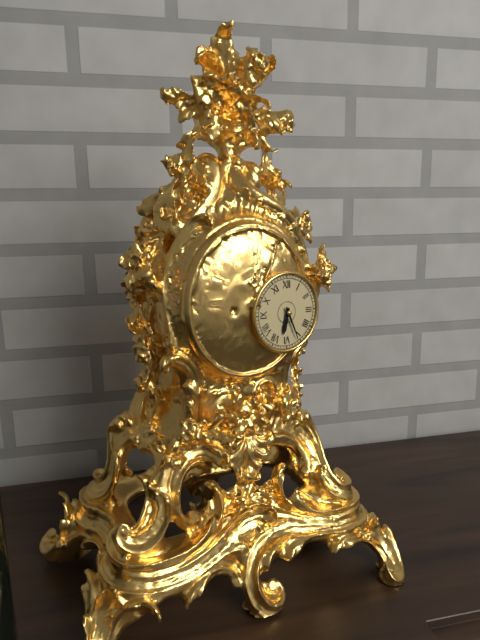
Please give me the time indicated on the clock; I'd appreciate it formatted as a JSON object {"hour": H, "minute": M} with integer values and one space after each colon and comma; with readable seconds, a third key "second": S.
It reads {"hour": 6, "minute": 26}
